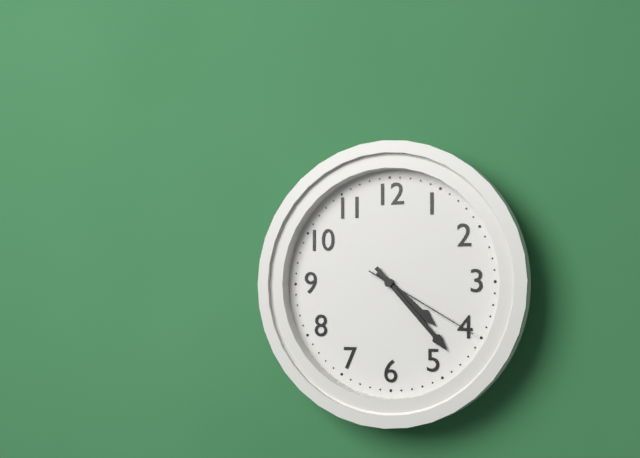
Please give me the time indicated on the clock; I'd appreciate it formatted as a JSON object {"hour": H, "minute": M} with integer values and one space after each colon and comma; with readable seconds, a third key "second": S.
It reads {"hour": 4, "minute": 23, "second": 20}
